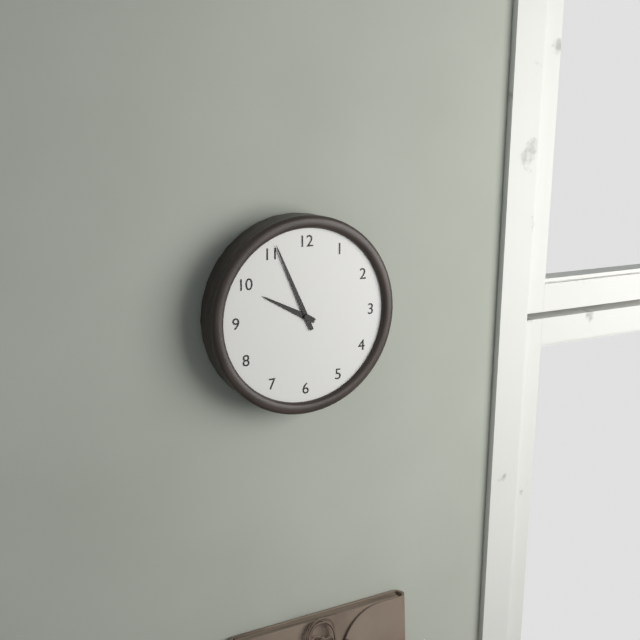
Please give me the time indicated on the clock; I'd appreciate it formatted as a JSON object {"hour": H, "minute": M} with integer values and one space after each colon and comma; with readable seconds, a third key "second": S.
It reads {"hour": 9, "minute": 56}
